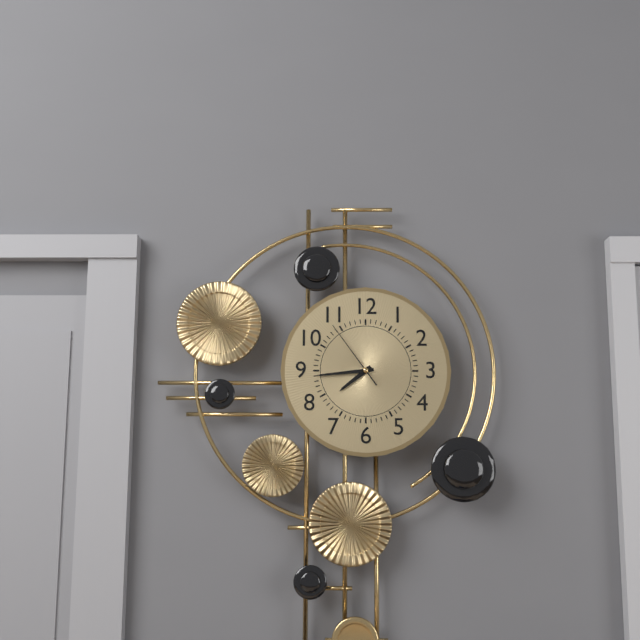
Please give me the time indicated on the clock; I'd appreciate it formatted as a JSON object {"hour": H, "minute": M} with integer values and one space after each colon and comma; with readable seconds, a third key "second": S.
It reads {"hour": 7, "minute": 44, "second": 54}
